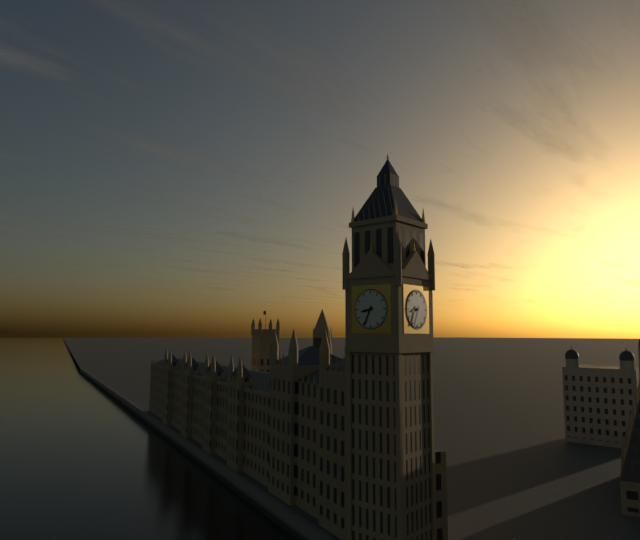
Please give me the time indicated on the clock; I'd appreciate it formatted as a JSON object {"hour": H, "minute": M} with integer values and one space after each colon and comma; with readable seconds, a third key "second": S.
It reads {"hour": 8, "minute": 34}
